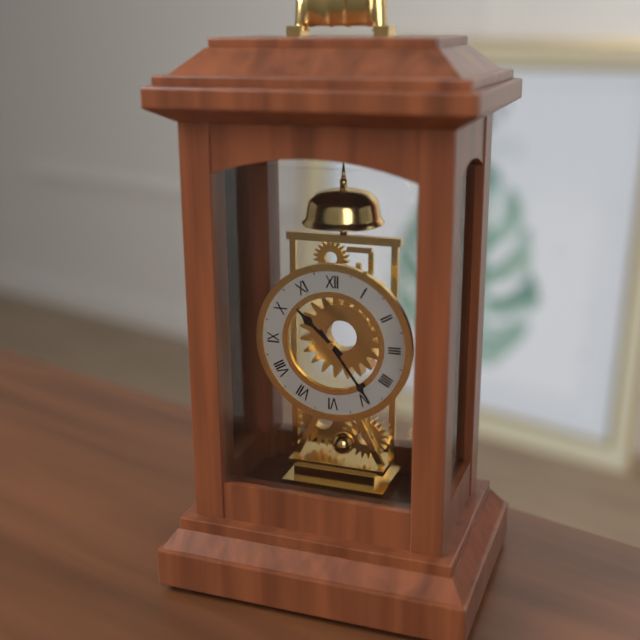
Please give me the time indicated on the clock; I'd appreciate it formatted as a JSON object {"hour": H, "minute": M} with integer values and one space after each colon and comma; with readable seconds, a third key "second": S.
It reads {"hour": 10, "minute": 24}
